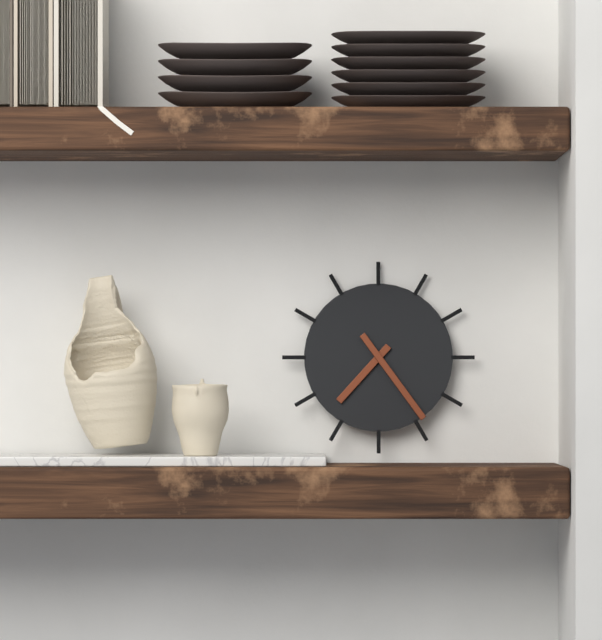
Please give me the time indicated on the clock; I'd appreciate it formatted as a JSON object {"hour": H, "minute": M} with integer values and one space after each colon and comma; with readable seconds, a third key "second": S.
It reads {"hour": 7, "minute": 24}
